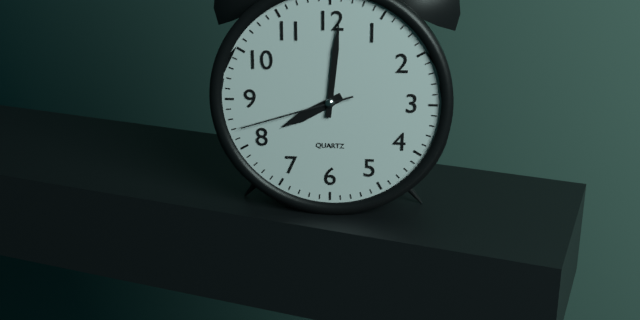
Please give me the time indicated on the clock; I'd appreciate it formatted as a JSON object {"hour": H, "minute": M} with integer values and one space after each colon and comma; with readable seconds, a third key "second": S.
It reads {"hour": 8, "minute": 1, "second": 42}
